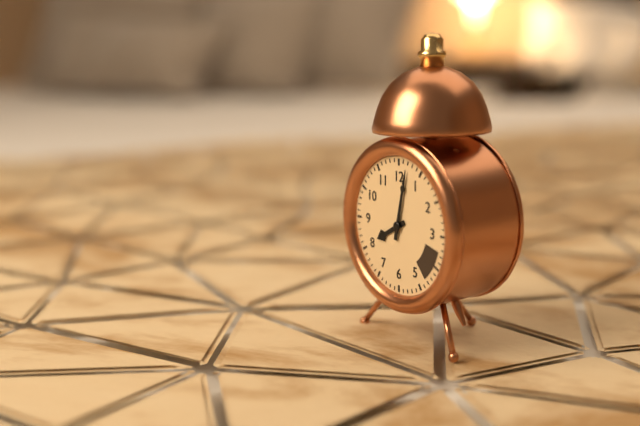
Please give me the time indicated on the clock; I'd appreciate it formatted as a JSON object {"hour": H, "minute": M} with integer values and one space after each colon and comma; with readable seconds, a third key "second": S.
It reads {"hour": 8, "minute": 2}
